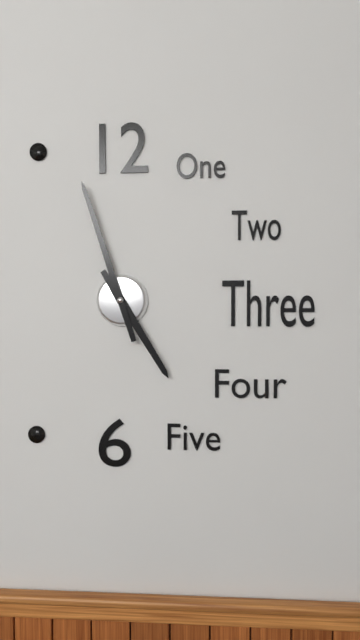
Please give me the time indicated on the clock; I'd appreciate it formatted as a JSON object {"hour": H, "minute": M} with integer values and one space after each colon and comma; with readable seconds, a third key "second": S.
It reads {"hour": 4, "minute": 57}
